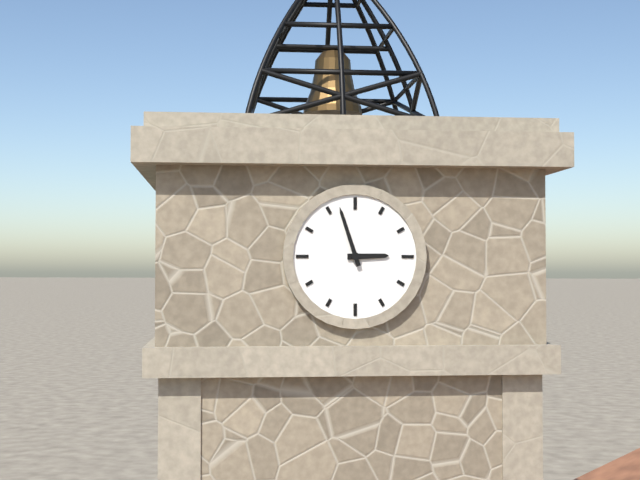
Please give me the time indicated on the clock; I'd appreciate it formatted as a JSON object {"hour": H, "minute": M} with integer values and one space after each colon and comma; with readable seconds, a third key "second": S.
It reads {"hour": 2, "minute": 57}
